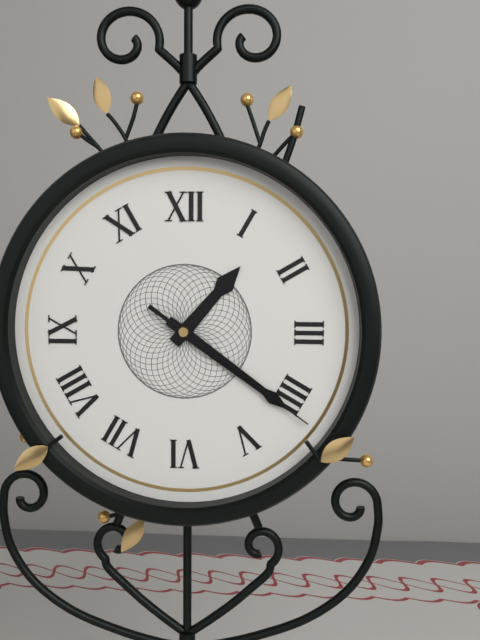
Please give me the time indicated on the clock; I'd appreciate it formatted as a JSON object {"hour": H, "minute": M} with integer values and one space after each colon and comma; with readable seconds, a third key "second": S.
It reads {"hour": 1, "minute": 21, "second": 21}
